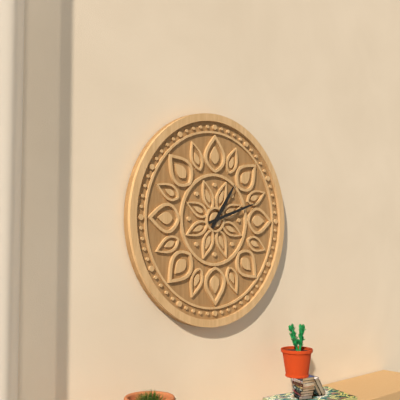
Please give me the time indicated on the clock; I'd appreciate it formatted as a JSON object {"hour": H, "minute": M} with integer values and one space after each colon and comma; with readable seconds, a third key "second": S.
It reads {"hour": 1, "minute": 12}
